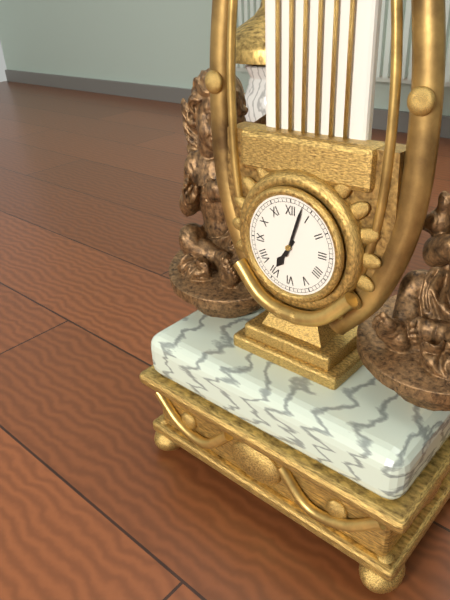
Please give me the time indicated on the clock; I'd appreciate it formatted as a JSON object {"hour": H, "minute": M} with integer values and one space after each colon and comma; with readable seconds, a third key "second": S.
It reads {"hour": 7, "minute": 3}
